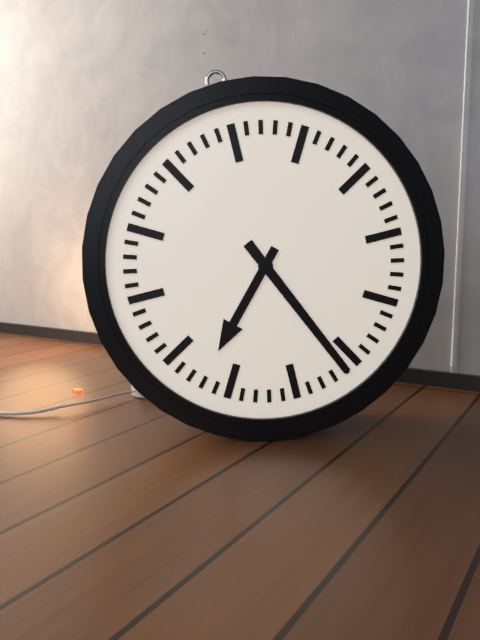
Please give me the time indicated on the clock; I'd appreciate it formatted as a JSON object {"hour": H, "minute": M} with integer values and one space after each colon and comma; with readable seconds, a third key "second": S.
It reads {"hour": 7, "minute": 26}
